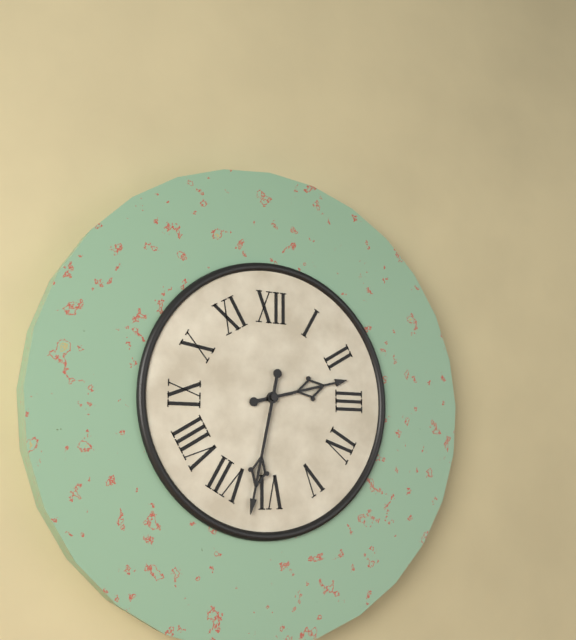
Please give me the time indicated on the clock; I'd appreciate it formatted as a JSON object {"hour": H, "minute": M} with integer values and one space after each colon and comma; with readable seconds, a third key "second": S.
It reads {"hour": 2, "minute": 32}
